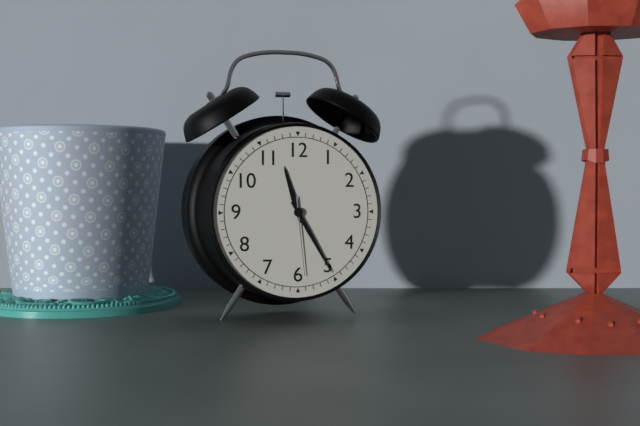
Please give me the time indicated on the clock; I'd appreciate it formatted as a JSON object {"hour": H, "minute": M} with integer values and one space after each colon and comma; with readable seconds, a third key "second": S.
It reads {"hour": 11, "minute": 25, "second": 29}
